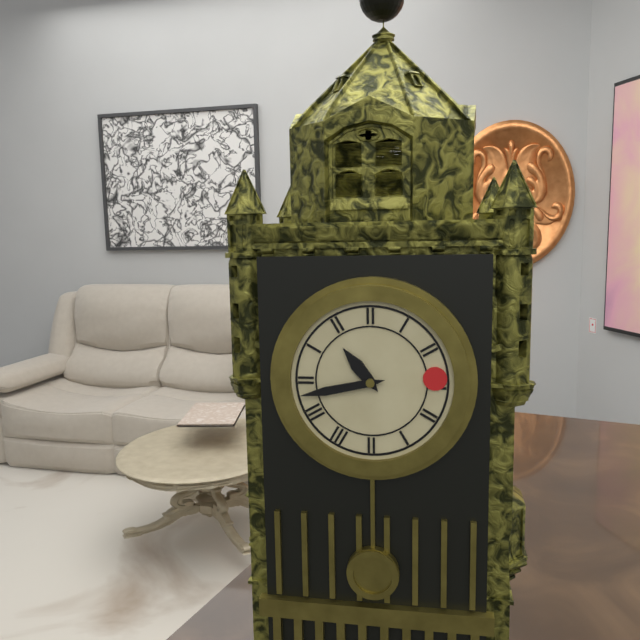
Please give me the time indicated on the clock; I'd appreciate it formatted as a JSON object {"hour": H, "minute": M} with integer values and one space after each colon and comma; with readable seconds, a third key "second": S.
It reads {"hour": 10, "minute": 43}
